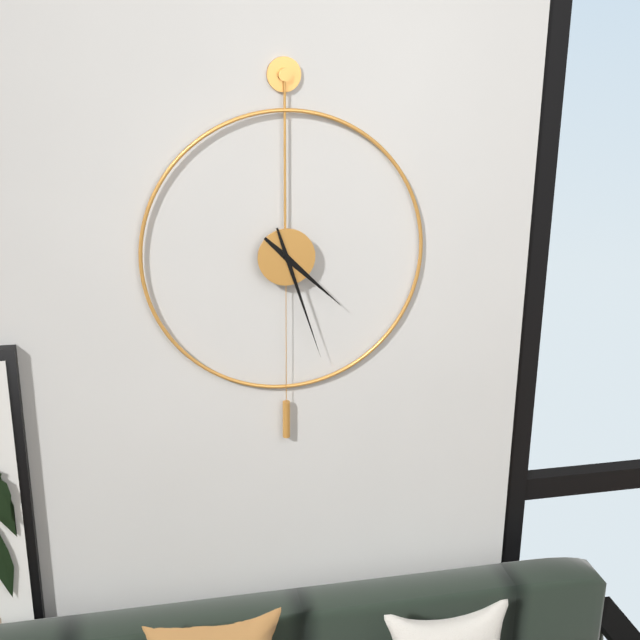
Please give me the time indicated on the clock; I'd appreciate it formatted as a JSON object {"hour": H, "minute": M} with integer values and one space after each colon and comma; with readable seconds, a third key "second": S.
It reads {"hour": 4, "minute": 27}
